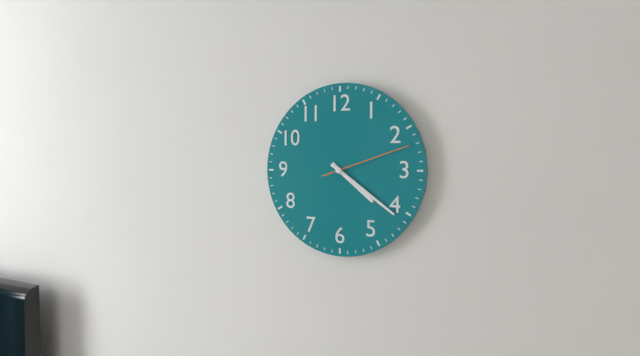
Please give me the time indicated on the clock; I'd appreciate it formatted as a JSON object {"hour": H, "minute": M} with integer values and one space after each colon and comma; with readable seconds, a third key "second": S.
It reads {"hour": 4, "minute": 21, "second": 12}
